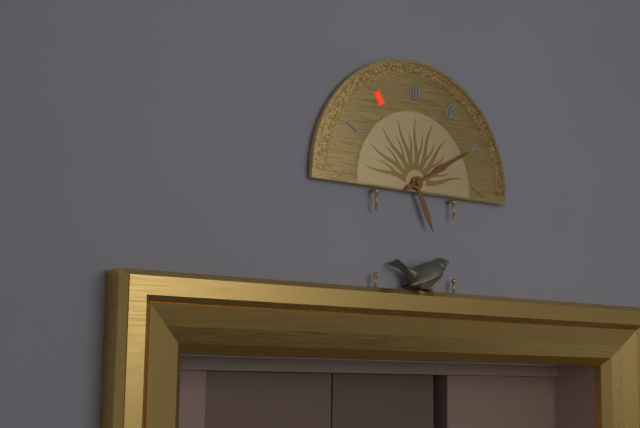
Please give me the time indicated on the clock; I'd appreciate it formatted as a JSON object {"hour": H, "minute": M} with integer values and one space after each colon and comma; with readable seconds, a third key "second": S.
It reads {"hour": 5, "minute": 10}
